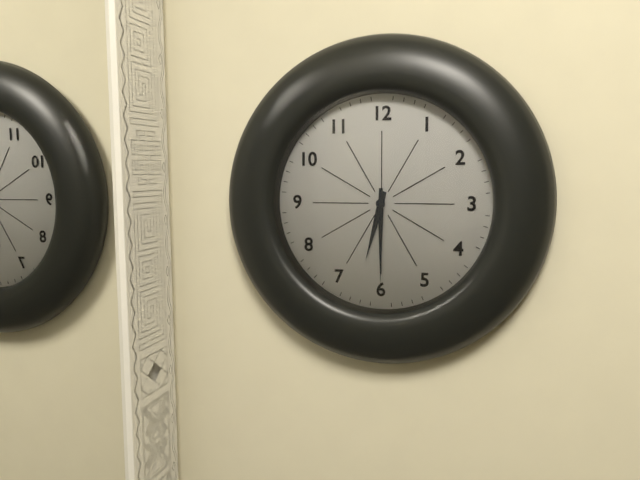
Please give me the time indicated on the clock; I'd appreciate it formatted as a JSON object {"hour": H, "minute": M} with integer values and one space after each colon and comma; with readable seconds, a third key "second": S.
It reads {"hour": 6, "minute": 30}
